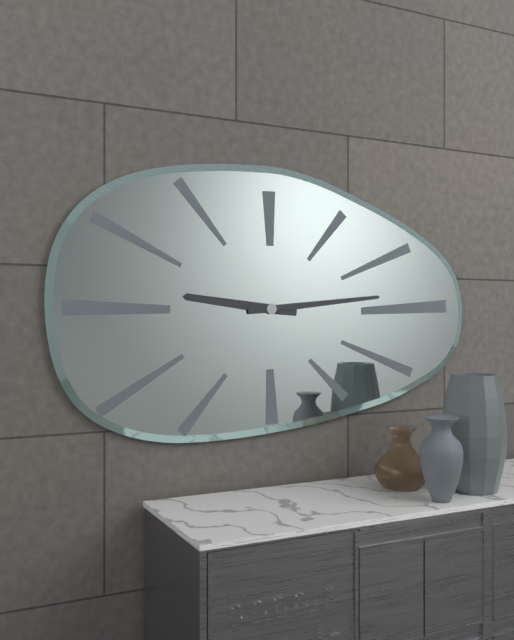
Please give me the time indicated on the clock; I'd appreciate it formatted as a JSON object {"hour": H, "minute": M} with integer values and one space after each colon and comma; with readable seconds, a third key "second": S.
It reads {"hour": 9, "minute": 14}
